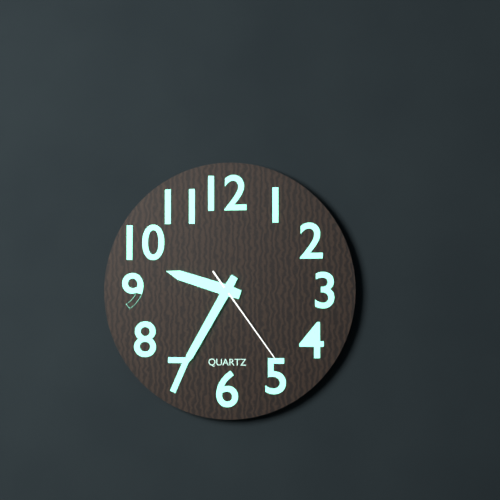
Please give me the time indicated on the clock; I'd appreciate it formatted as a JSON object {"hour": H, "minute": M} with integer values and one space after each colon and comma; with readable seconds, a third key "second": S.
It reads {"hour": 9, "minute": 35, "second": 24}
